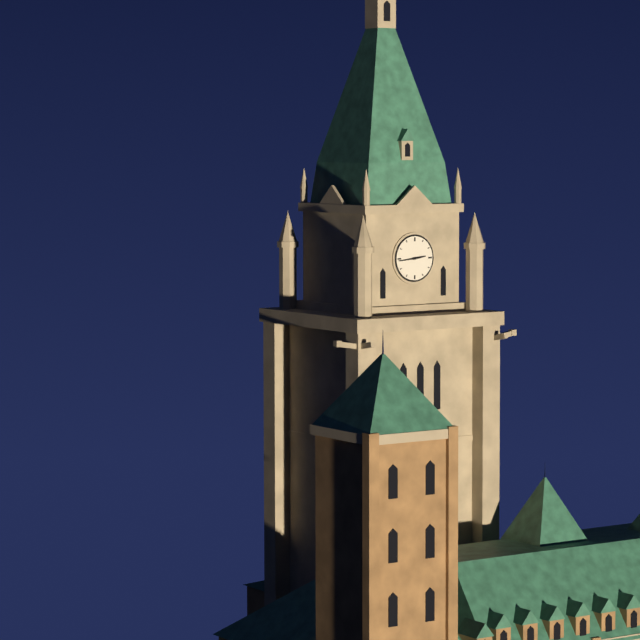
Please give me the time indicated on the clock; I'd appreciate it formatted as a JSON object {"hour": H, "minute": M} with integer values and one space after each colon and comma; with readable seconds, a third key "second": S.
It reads {"hour": 2, "minute": 44}
